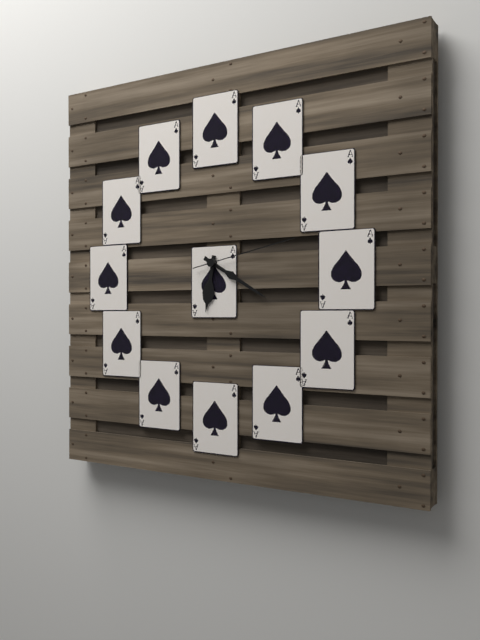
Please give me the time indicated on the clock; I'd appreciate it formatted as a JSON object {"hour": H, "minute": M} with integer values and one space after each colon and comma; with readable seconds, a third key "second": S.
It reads {"hour": 6, "minute": 20, "second": 13}
